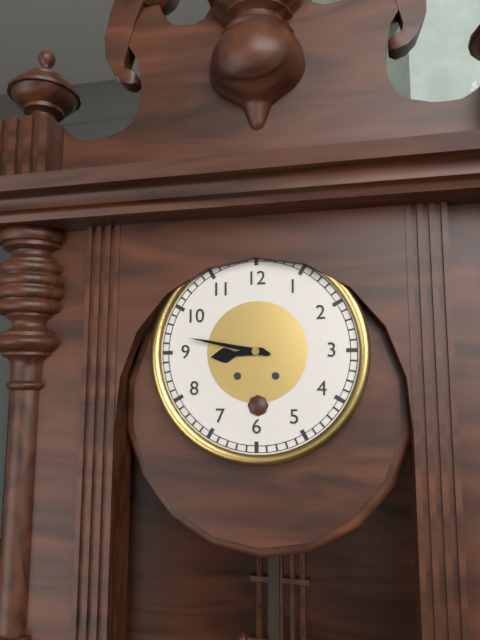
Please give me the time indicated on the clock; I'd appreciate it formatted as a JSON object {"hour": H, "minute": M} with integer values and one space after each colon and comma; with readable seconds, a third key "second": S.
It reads {"hour": 8, "minute": 47}
